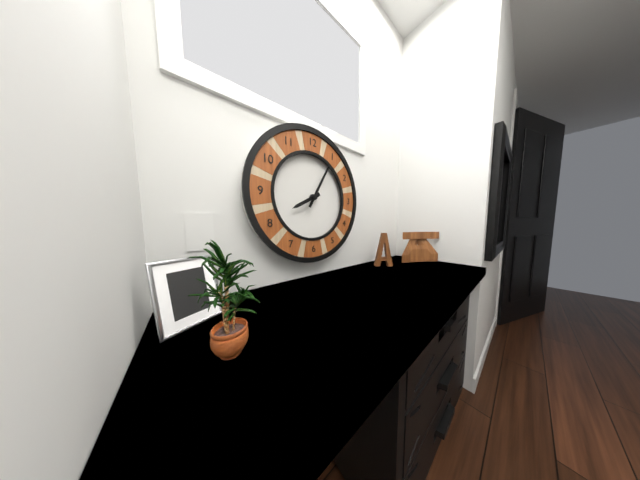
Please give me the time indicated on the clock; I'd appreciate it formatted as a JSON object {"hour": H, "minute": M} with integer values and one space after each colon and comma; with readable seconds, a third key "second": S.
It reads {"hour": 8, "minute": 5}
